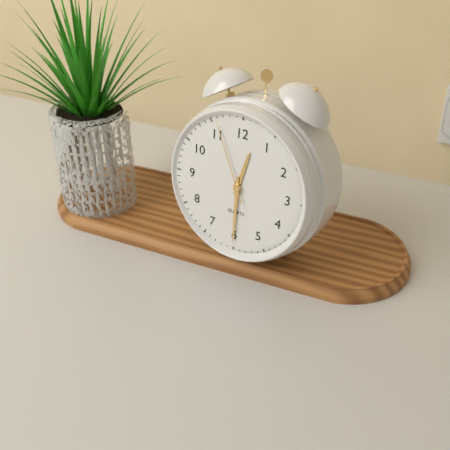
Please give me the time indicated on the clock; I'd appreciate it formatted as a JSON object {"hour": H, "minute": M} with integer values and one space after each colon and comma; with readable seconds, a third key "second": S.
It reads {"hour": 12, "minute": 30, "second": 56}
